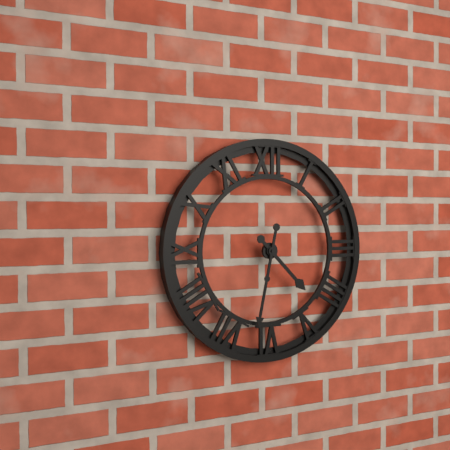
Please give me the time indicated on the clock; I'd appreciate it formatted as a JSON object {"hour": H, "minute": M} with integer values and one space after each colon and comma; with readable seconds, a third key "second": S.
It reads {"hour": 4, "minute": 32}
